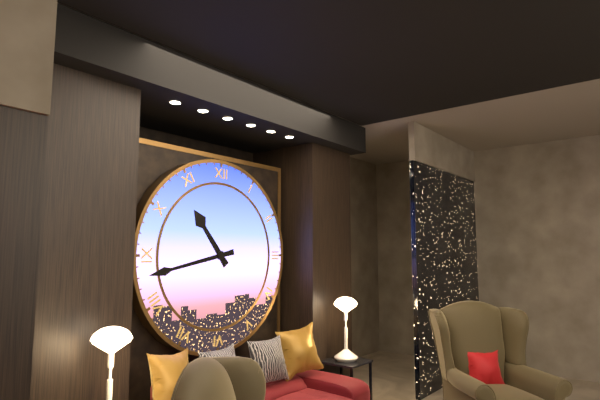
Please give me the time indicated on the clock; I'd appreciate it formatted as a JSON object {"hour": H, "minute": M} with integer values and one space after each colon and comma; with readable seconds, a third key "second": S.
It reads {"hour": 10, "minute": 43}
